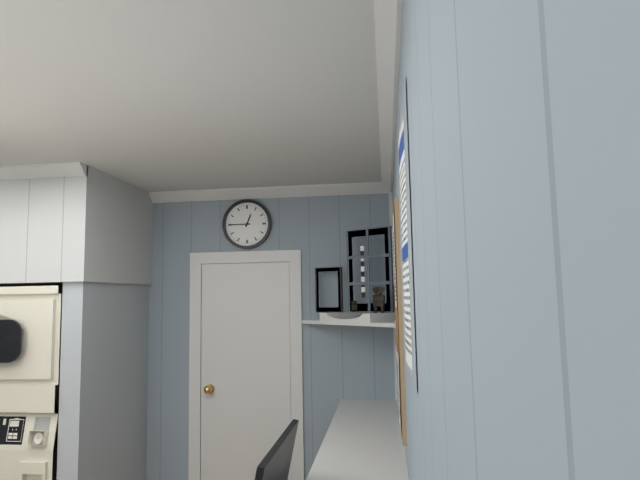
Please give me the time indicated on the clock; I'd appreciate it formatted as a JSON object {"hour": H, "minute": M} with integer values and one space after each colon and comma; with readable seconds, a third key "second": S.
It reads {"hour": 12, "minute": 45}
